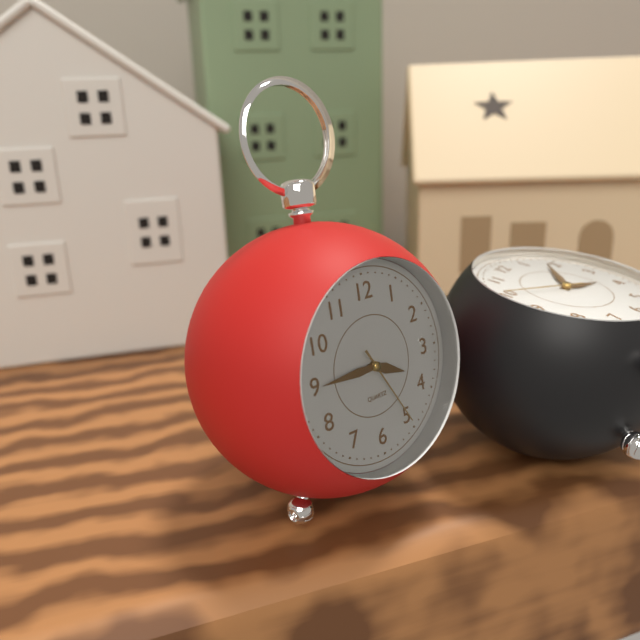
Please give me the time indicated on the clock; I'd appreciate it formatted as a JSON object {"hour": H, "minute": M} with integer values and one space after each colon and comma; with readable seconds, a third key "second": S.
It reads {"hour": 3, "minute": 45, "second": 25}
